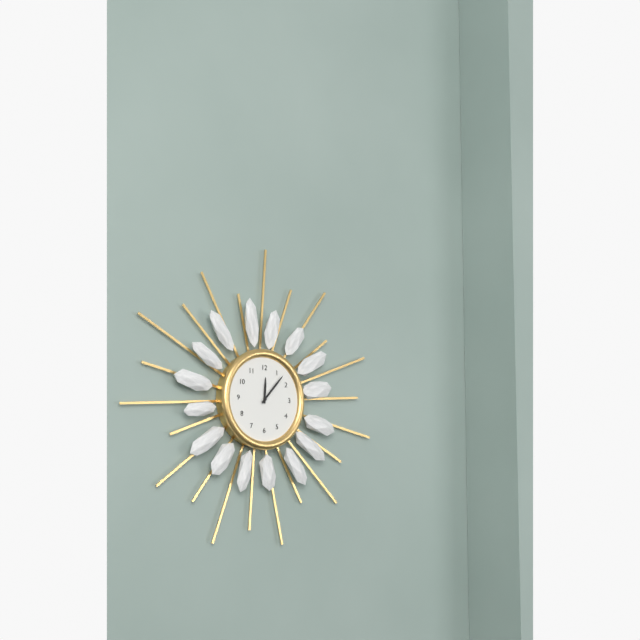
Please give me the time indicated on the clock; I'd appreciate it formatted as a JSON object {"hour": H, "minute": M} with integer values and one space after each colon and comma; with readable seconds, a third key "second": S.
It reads {"hour": 12, "minute": 7}
